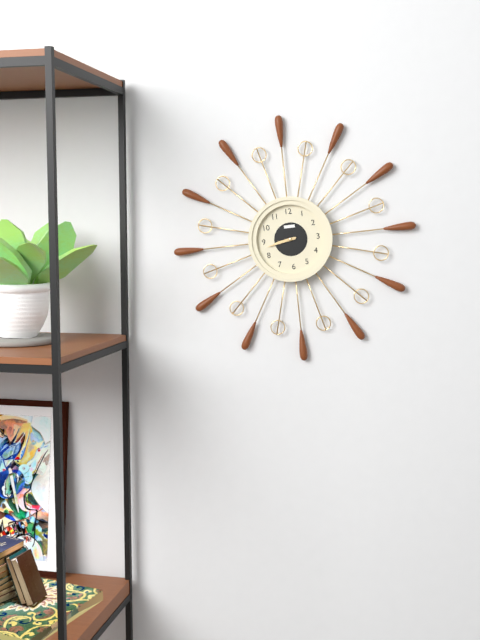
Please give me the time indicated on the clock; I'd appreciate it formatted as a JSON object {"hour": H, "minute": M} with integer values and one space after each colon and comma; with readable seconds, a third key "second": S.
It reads {"hour": 8, "minute": 43}
